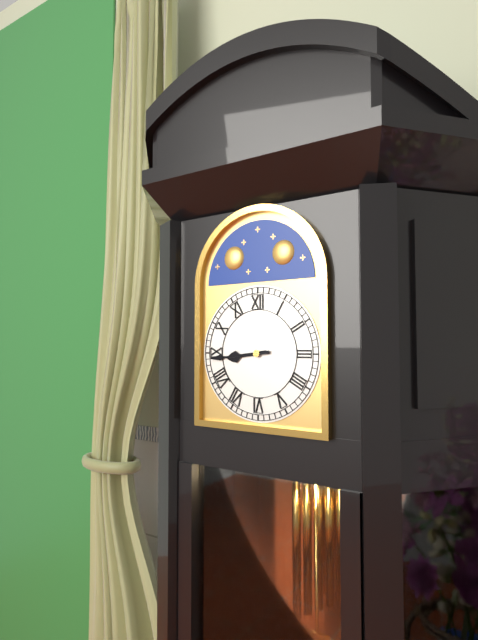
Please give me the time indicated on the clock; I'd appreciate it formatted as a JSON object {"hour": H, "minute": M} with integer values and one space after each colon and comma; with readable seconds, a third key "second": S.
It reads {"hour": 8, "minute": 44}
